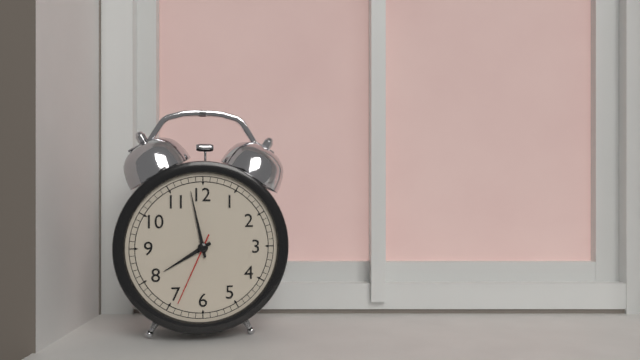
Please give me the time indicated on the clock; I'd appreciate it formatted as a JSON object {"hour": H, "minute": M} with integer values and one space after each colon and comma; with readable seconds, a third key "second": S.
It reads {"hour": 7, "minute": 58, "second": 34}
